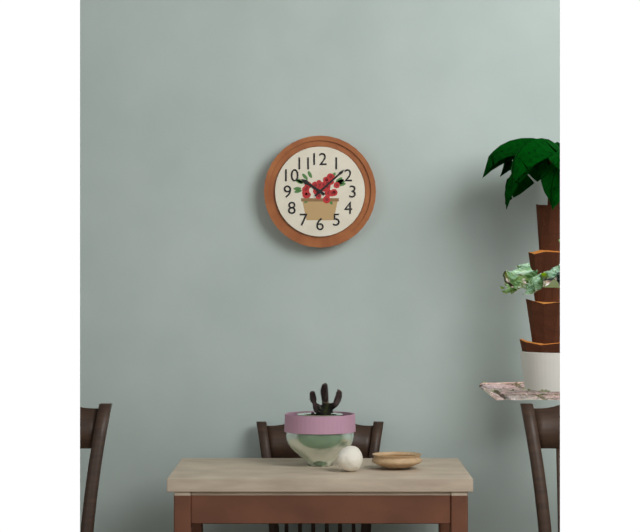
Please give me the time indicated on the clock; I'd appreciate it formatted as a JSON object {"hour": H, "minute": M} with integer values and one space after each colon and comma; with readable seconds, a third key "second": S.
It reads {"hour": 10, "minute": 8}
